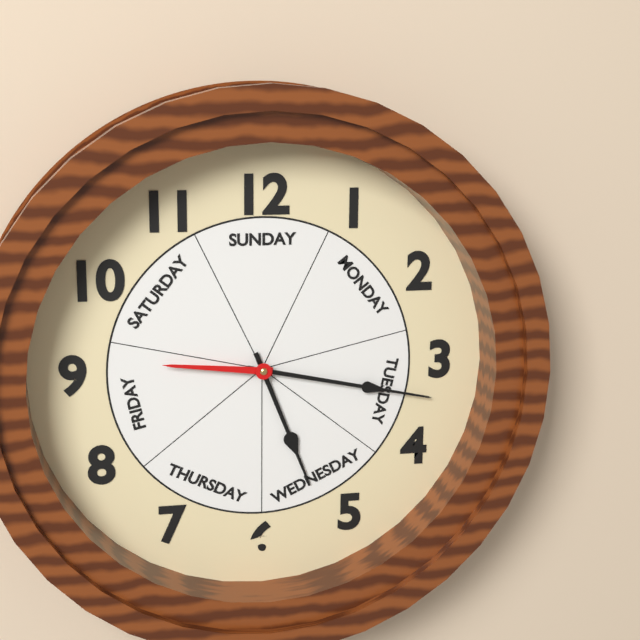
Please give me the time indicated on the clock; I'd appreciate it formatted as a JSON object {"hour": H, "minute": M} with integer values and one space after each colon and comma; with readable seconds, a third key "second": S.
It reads {"hour": 5, "minute": 17, "second": 46}
